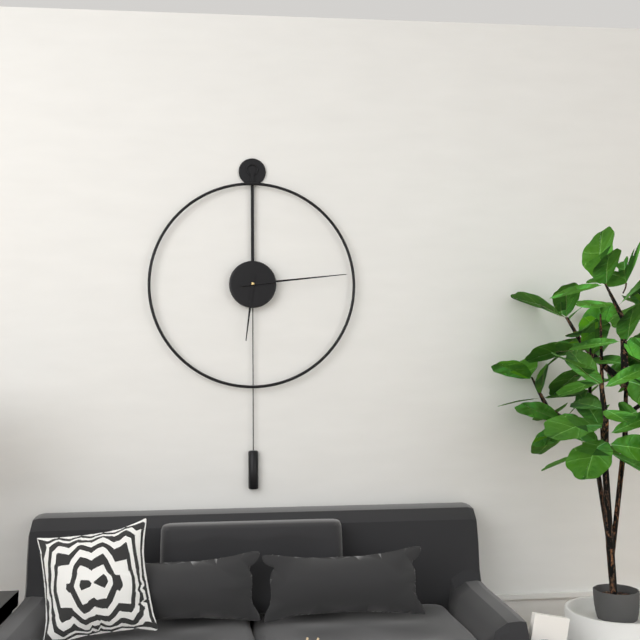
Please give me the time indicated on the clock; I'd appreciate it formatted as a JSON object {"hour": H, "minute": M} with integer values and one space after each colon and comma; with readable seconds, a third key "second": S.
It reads {"hour": 6, "minute": 14}
